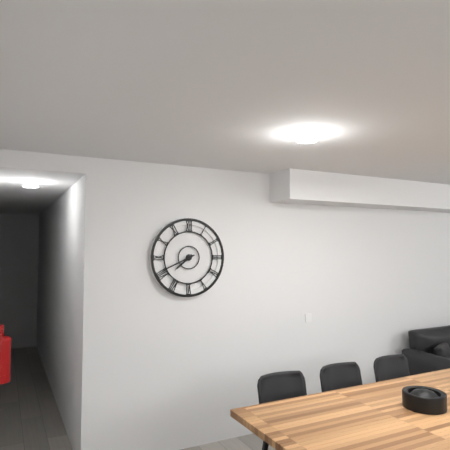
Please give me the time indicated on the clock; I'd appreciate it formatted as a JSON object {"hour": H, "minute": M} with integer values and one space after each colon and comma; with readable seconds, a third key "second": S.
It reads {"hour": 7, "minute": 41}
